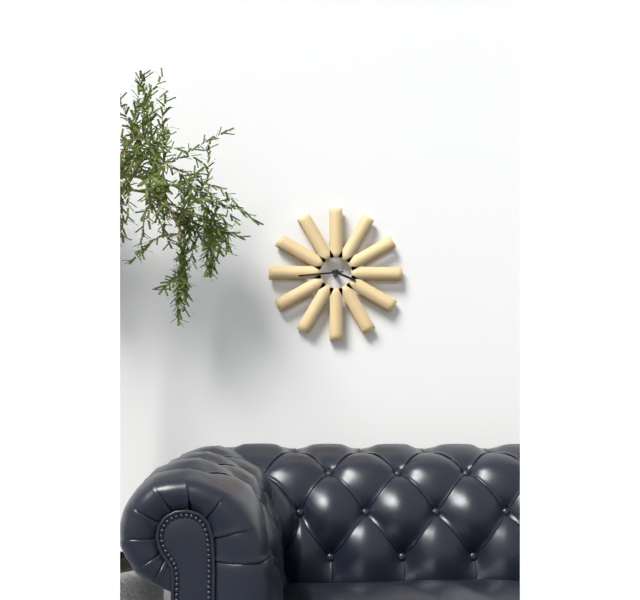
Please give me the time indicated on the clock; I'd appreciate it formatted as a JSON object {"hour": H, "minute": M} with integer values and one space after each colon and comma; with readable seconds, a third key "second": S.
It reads {"hour": 3, "minute": 44}
